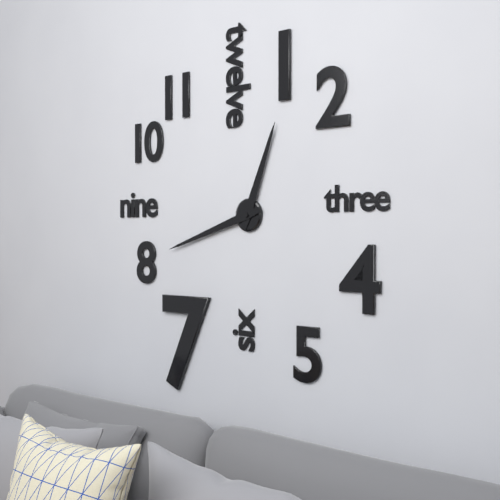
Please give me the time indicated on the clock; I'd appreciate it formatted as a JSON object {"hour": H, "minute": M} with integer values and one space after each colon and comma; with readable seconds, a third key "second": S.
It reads {"hour": 12, "minute": 42}
